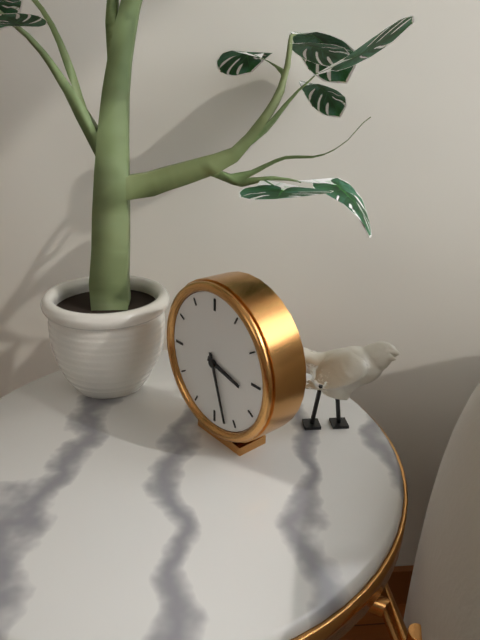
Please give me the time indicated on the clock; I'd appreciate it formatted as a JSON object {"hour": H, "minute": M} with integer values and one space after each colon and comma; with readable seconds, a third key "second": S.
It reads {"hour": 3, "minute": 27}
